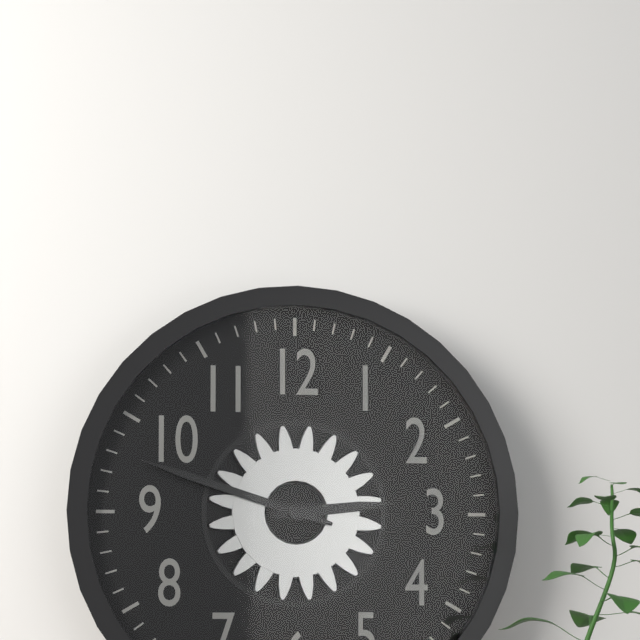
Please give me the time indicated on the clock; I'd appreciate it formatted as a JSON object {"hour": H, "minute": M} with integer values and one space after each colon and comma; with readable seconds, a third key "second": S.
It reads {"hour": 2, "minute": 48}
